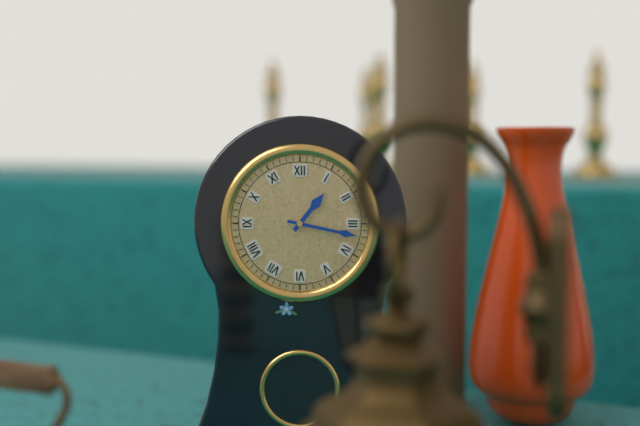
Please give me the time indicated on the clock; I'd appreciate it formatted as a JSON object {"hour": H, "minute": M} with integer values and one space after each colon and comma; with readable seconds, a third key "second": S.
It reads {"hour": 1, "minute": 17}
